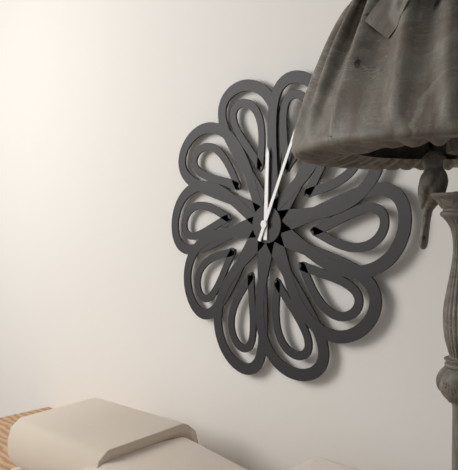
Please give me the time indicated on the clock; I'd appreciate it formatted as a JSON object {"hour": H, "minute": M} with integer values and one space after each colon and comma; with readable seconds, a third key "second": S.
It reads {"hour": 12, "minute": 4}
